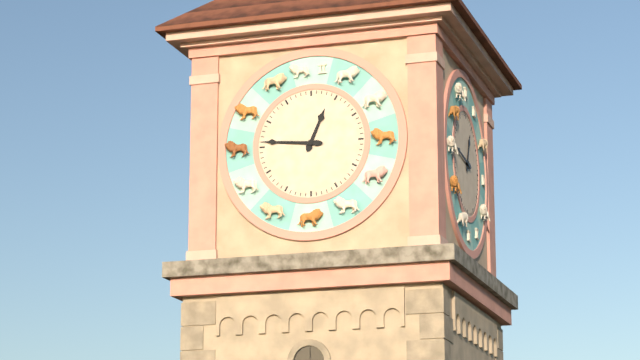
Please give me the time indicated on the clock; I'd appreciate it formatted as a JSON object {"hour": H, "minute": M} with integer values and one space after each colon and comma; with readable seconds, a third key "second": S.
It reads {"hour": 12, "minute": 46}
